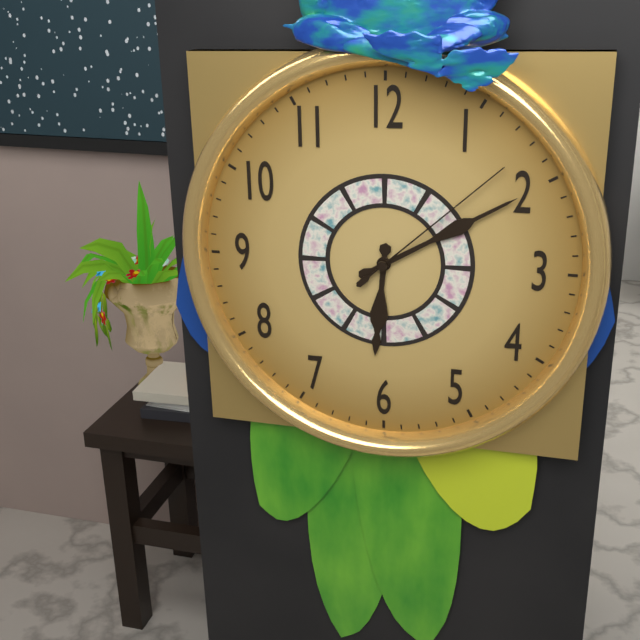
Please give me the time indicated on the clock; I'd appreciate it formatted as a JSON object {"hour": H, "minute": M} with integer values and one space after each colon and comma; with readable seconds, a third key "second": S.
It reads {"hour": 6, "minute": 10, "second": 8}
